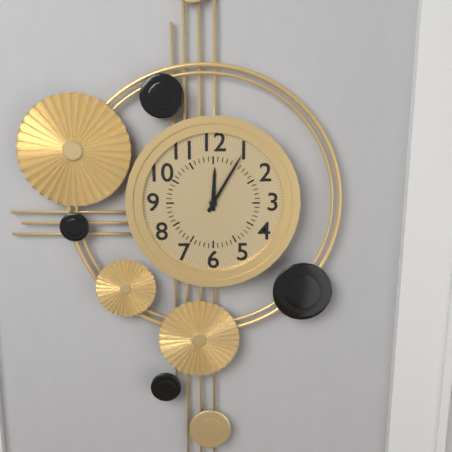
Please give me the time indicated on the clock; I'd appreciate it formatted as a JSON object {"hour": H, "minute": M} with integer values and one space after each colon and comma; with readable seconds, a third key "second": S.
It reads {"hour": 12, "minute": 5}
